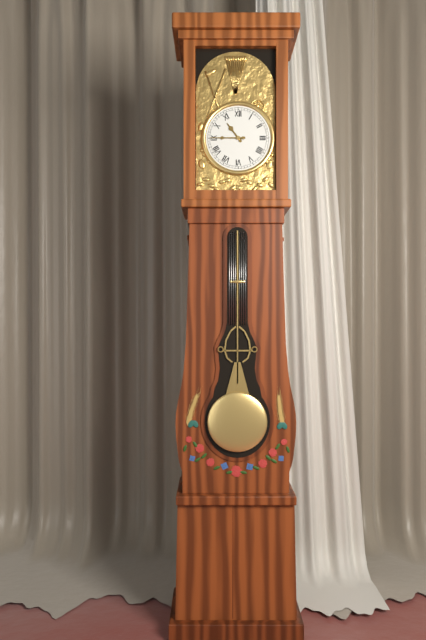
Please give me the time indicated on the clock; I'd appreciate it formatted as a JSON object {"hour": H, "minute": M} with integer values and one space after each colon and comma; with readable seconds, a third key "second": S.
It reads {"hour": 10, "minute": 45}
